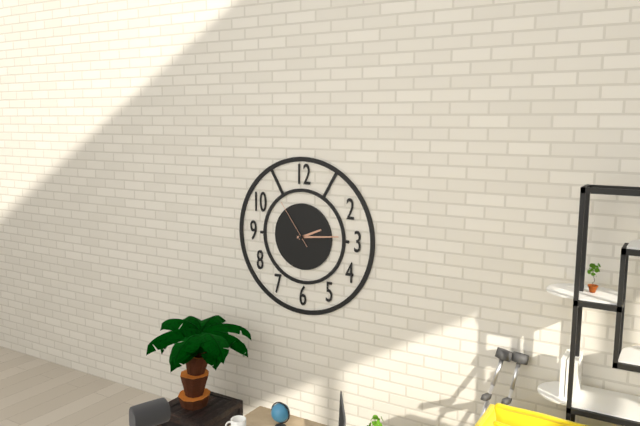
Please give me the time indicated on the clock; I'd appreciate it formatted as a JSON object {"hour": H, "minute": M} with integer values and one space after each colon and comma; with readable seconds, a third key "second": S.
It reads {"hour": 2, "minute": 14, "second": 54}
